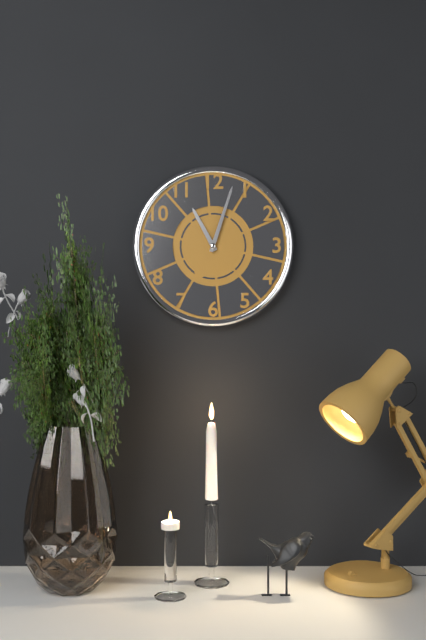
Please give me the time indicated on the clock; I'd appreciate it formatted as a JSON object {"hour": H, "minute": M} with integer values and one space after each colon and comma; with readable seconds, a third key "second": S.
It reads {"hour": 11, "minute": 3}
